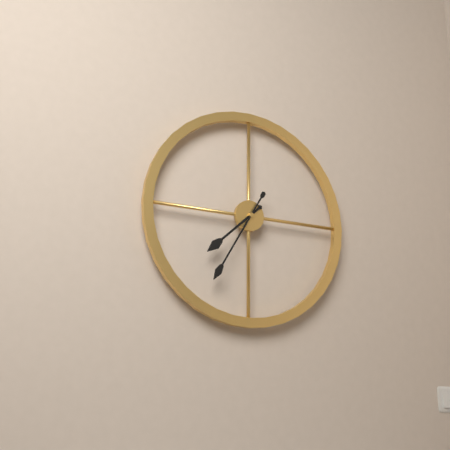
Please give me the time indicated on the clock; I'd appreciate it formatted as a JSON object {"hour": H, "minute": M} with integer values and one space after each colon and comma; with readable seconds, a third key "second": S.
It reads {"hour": 7, "minute": 35}
